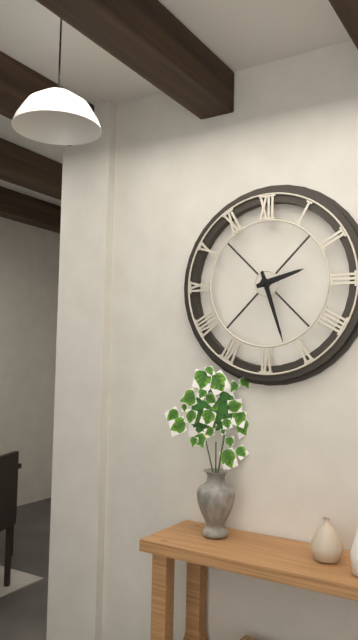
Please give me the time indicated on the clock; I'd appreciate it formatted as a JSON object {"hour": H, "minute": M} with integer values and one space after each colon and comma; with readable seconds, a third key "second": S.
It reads {"hour": 2, "minute": 27}
